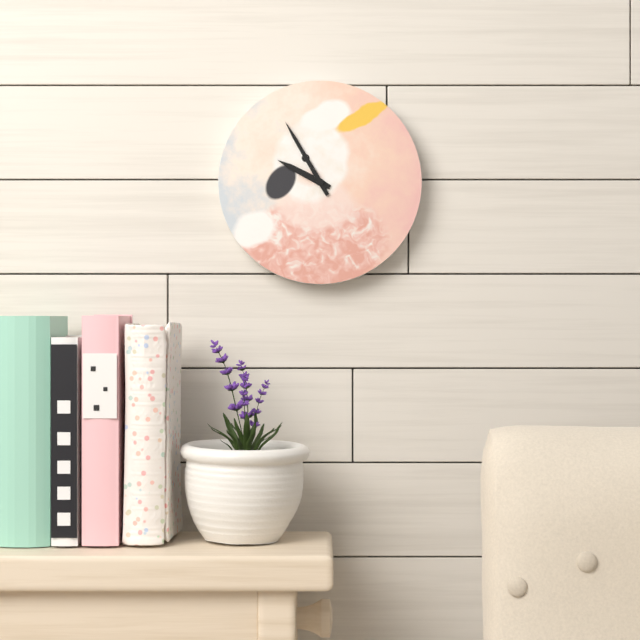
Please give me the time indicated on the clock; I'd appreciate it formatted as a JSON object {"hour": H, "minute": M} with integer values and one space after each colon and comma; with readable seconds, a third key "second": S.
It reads {"hour": 9, "minute": 55}
